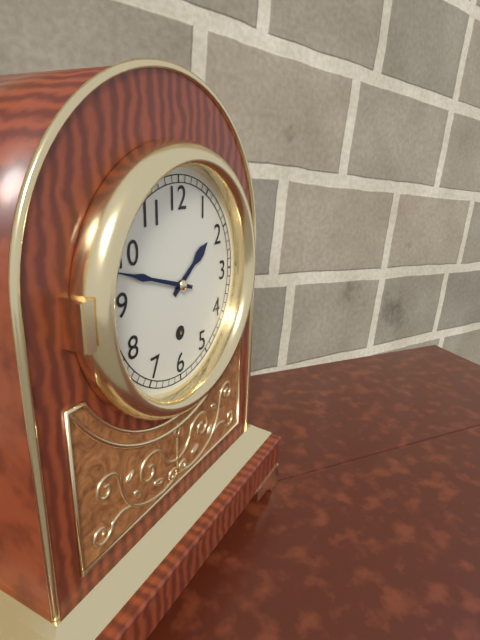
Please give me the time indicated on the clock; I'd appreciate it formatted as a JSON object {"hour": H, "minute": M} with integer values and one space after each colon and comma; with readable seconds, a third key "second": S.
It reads {"hour": 1, "minute": 48}
